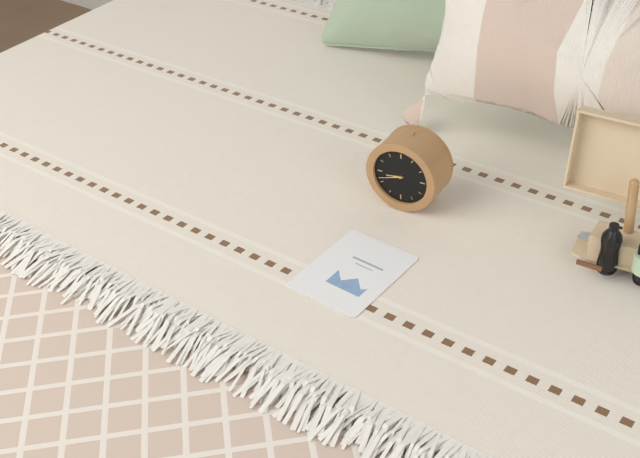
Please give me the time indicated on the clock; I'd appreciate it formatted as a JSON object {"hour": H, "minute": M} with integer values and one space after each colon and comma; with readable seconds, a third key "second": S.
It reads {"hour": 8, "minute": 42}
